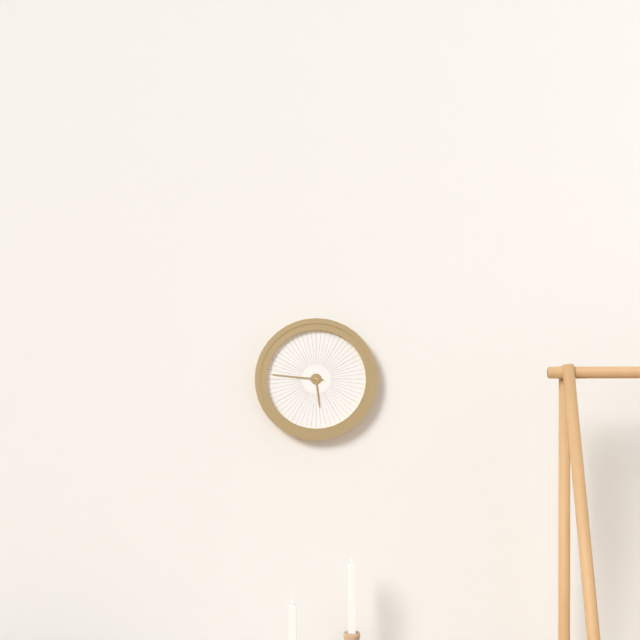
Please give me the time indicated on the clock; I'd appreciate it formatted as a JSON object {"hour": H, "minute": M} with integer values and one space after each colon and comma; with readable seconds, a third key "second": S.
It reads {"hour": 5, "minute": 46}
